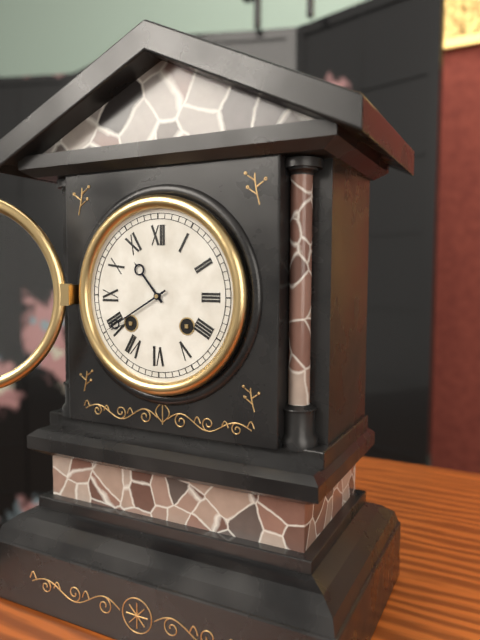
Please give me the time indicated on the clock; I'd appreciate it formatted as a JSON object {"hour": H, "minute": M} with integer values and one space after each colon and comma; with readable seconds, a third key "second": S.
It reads {"hour": 10, "minute": 40}
